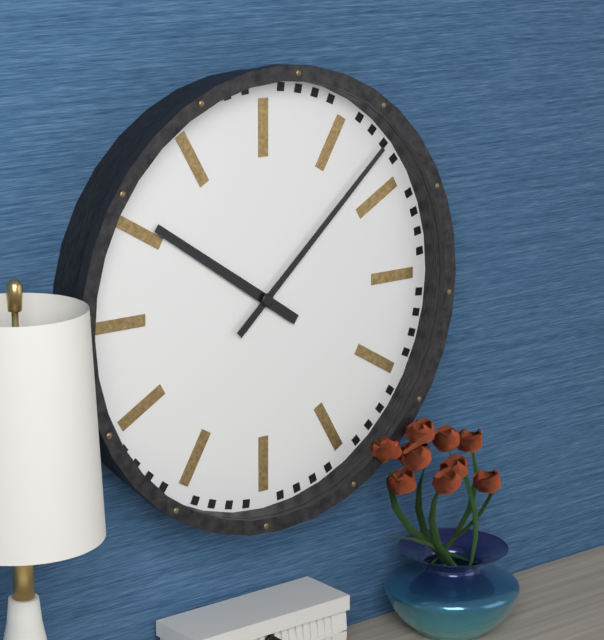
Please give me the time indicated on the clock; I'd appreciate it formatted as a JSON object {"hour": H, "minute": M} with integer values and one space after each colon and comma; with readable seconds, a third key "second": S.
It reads {"hour": 10, "minute": 8}
